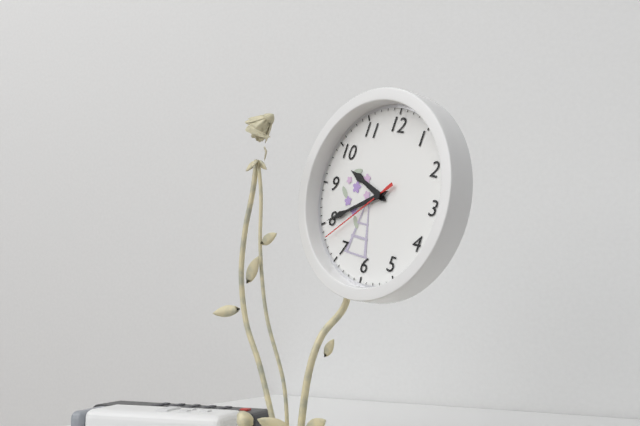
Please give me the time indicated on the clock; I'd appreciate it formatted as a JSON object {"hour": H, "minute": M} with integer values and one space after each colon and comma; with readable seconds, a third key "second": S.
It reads {"hour": 9, "minute": 40, "second": 38}
